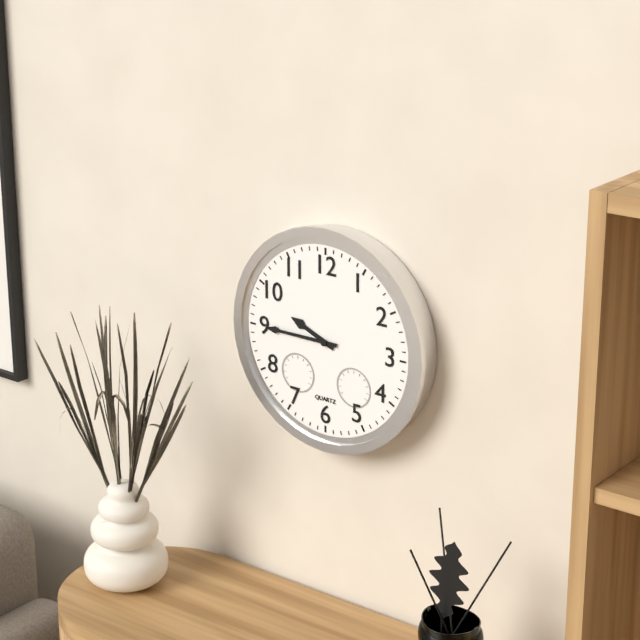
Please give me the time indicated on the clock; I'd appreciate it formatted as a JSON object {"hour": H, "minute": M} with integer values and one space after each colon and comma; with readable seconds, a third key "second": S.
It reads {"hour": 9, "minute": 45}
